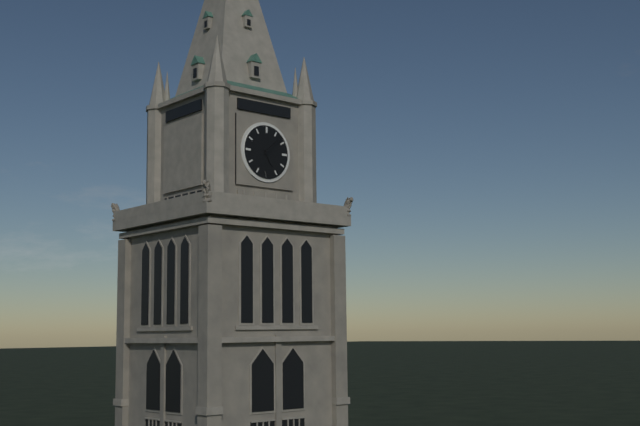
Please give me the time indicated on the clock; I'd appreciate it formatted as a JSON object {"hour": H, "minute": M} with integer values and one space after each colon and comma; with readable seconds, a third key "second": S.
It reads {"hour": 5, "minute": 8}
